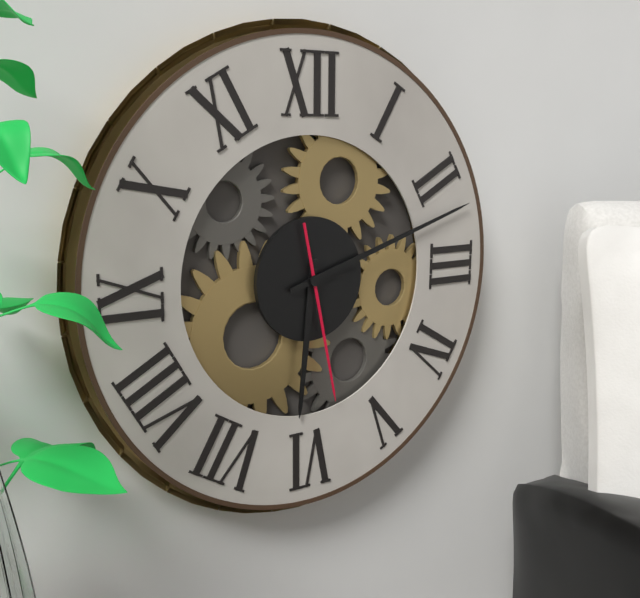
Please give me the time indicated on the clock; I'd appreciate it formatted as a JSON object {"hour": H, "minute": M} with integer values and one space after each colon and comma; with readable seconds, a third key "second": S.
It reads {"hour": 6, "minute": 12, "second": 28}
